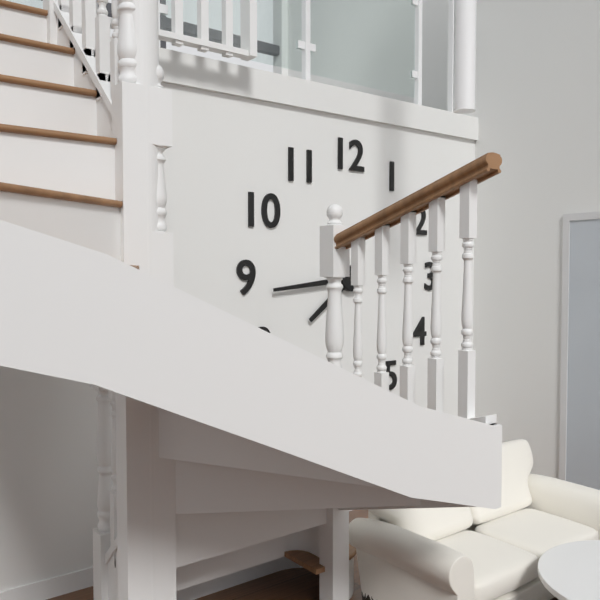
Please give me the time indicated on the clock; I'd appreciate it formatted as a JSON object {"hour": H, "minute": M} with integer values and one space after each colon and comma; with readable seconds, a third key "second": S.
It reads {"hour": 7, "minute": 44}
